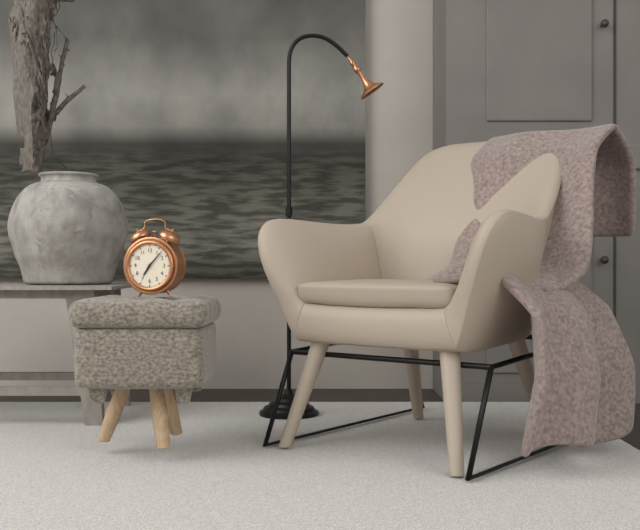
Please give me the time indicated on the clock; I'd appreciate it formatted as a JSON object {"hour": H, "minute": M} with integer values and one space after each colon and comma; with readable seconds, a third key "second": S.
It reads {"hour": 7, "minute": 7}
